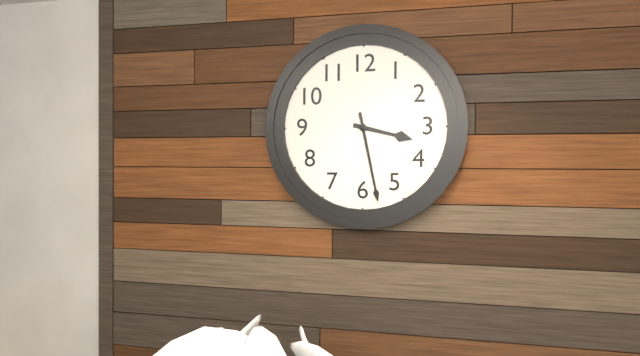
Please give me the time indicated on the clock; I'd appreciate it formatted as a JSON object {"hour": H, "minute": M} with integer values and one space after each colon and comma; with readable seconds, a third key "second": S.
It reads {"hour": 3, "minute": 28}
